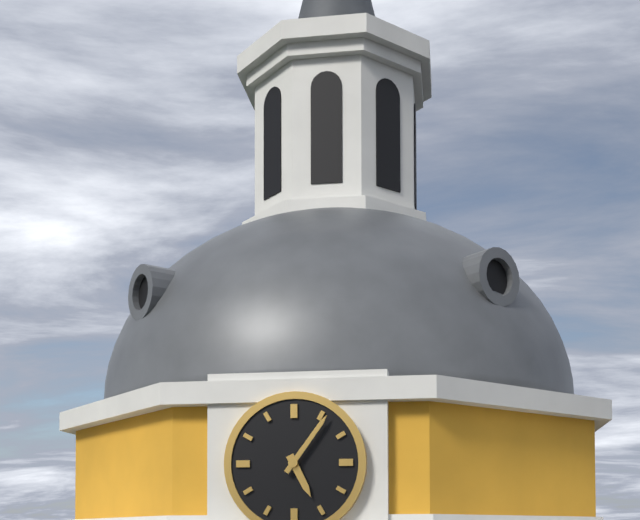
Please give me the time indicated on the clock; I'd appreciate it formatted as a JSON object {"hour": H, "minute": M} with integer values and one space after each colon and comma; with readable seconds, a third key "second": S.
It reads {"hour": 5, "minute": 6}
